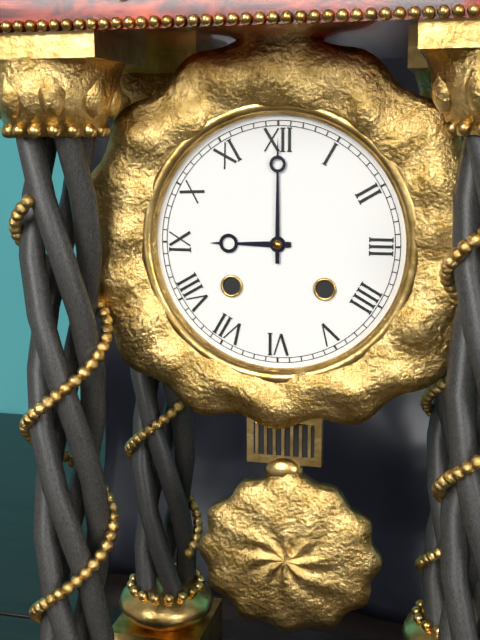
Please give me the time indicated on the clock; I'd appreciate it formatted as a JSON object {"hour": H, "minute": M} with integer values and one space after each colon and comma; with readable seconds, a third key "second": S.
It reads {"hour": 9, "minute": 0}
